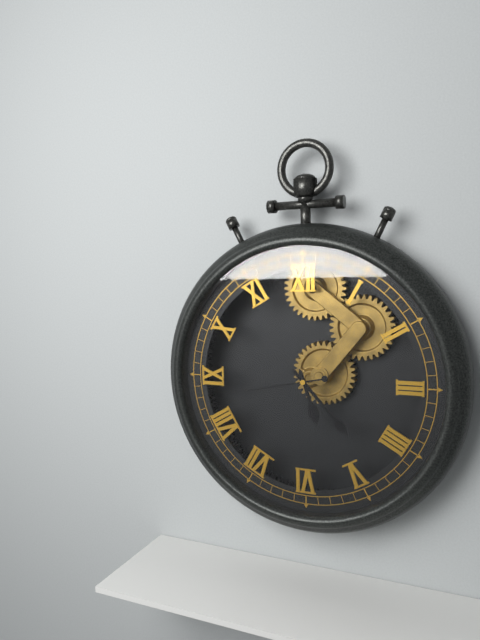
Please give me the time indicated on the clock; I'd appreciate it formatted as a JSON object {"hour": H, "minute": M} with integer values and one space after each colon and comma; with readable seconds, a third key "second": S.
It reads {"hour": 5, "minute": 23, "second": 43}
